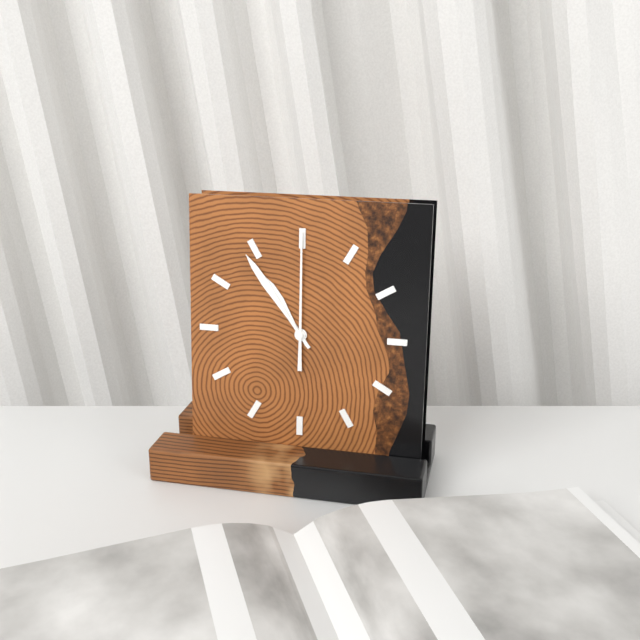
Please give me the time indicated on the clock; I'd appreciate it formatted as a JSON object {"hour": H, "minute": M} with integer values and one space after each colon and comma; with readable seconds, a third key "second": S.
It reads {"hour": 10, "minute": 54, "second": 0}
